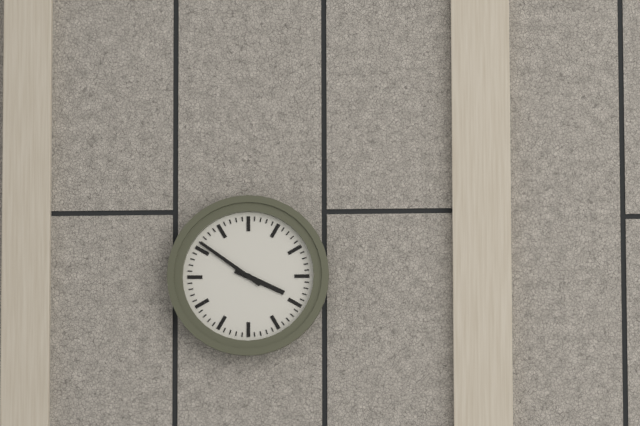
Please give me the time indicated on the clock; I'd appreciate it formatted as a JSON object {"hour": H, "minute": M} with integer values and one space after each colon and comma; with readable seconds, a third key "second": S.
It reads {"hour": 3, "minute": 51}
